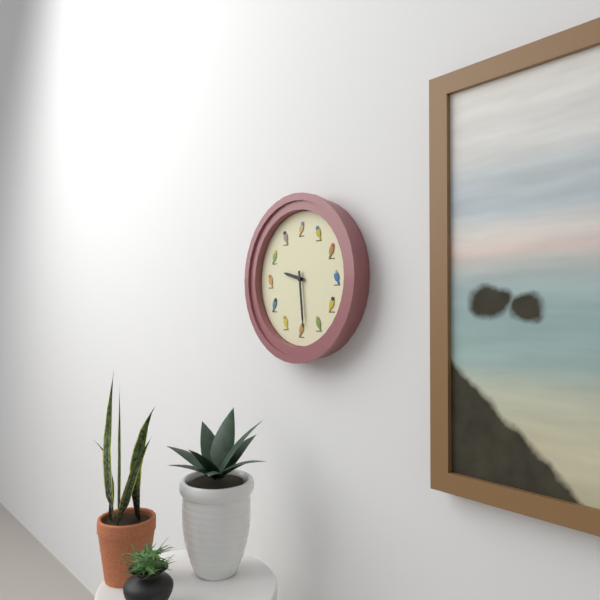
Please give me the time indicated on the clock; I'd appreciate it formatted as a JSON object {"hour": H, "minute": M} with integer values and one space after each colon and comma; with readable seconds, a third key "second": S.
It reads {"hour": 9, "minute": 29}
